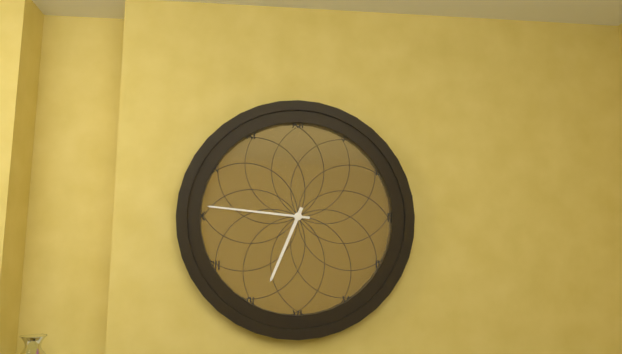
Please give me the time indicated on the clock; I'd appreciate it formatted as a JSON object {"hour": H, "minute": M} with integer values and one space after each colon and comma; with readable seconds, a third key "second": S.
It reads {"hour": 6, "minute": 46}
